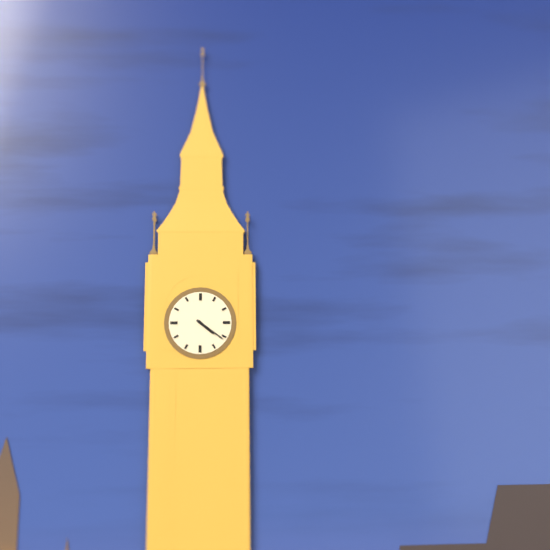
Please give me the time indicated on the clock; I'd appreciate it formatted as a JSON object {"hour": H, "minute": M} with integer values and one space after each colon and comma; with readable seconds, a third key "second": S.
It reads {"hour": 4, "minute": 21}
